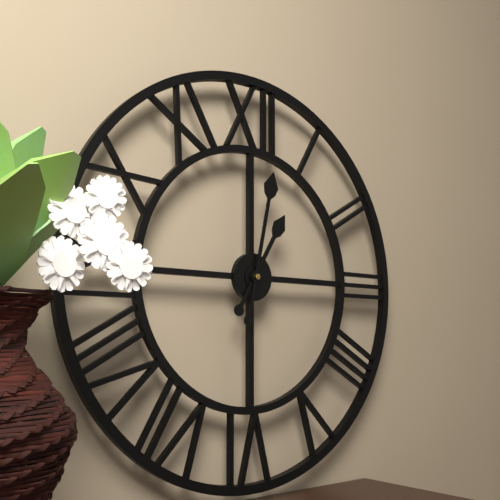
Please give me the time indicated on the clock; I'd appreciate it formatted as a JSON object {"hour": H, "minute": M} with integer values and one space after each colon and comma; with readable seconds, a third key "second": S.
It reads {"hour": 1, "minute": 2}
